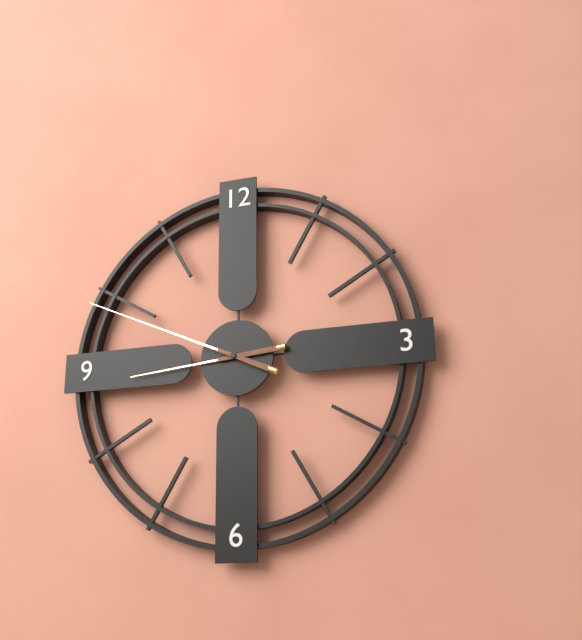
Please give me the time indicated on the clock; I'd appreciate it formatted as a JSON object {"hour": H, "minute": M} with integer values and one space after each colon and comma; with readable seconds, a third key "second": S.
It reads {"hour": 8, "minute": 49}
